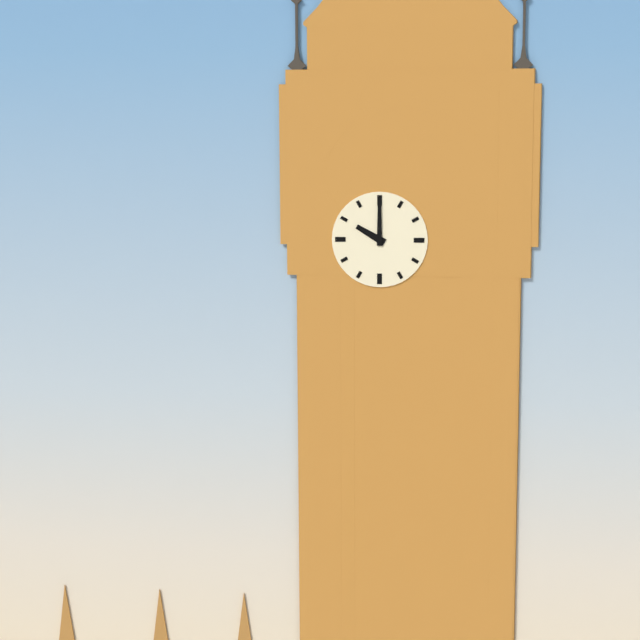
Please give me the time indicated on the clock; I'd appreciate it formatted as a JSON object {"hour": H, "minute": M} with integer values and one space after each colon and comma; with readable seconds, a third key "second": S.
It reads {"hour": 10, "minute": 0}
